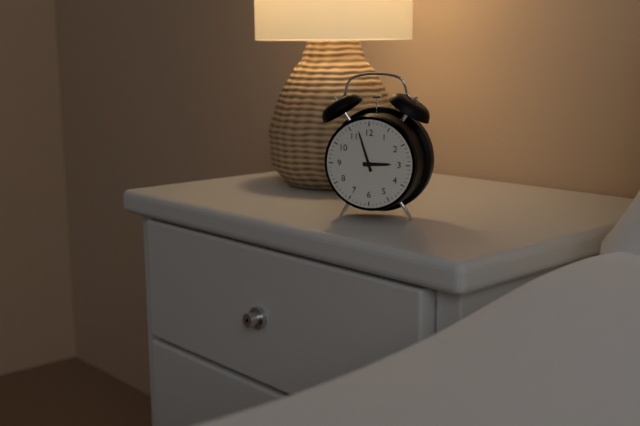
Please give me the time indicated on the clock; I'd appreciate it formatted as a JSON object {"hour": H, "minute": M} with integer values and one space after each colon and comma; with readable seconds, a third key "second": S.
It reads {"hour": 2, "minute": 57}
